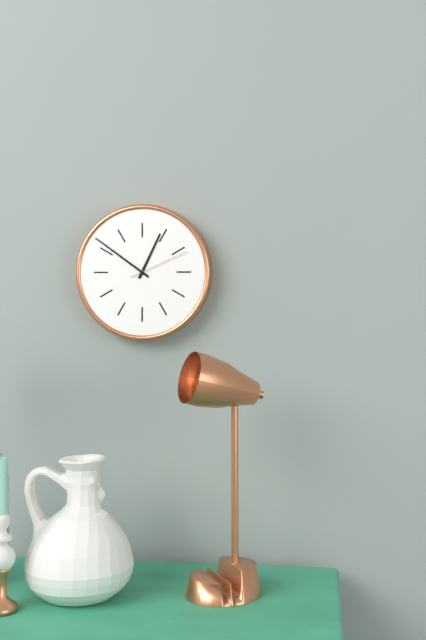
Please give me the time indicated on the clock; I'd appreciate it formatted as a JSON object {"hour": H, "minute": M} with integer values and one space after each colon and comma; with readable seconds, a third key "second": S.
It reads {"hour": 12, "minute": 51, "second": 11}
